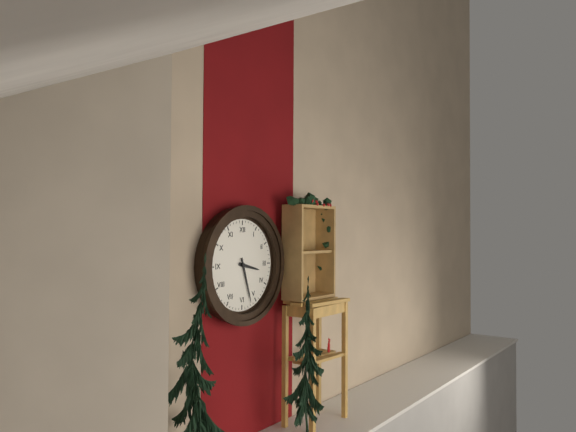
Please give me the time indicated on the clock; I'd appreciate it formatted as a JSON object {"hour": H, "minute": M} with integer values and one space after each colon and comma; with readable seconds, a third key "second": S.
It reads {"hour": 3, "minute": 27}
